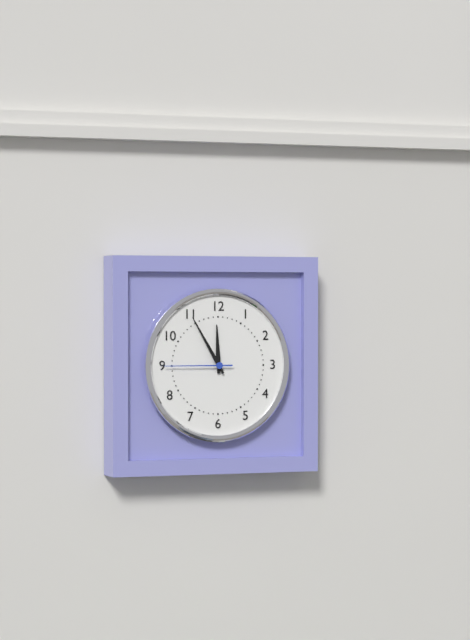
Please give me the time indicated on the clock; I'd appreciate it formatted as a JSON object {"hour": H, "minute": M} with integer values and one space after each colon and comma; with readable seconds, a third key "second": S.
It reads {"hour": 11, "minute": 55, "second": 45}
